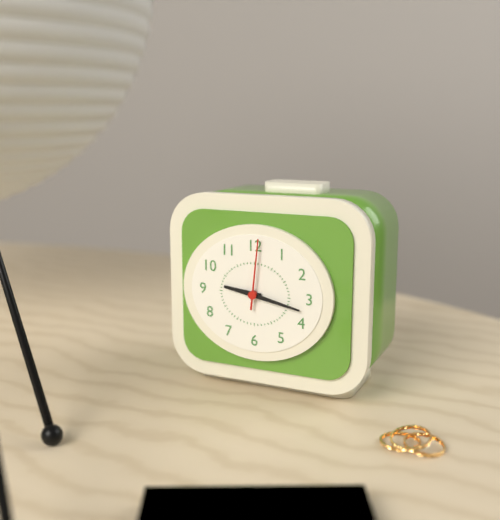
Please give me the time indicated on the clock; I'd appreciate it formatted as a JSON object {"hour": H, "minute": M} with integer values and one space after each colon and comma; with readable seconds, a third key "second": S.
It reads {"hour": 9, "minute": 17, "second": 1}
